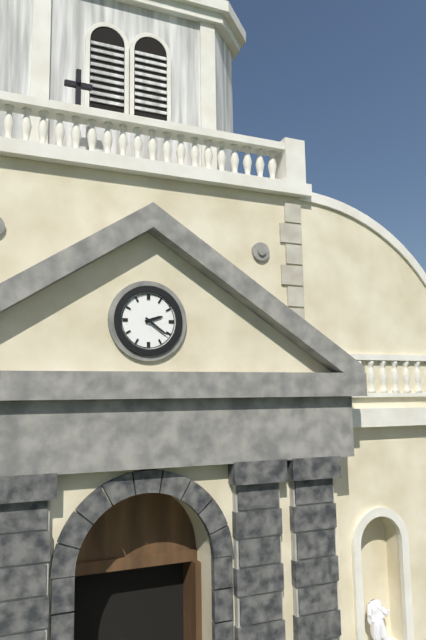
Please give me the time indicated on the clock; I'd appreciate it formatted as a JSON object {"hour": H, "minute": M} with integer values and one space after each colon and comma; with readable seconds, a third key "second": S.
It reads {"hour": 2, "minute": 21}
